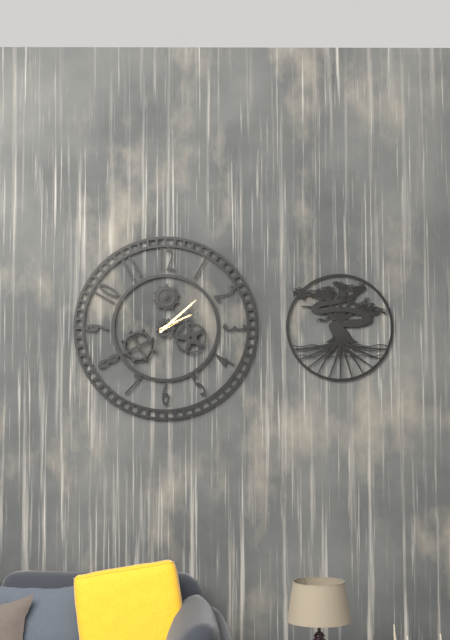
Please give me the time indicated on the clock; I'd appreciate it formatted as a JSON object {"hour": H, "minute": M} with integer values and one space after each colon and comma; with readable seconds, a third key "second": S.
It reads {"hour": 2, "minute": 8}
